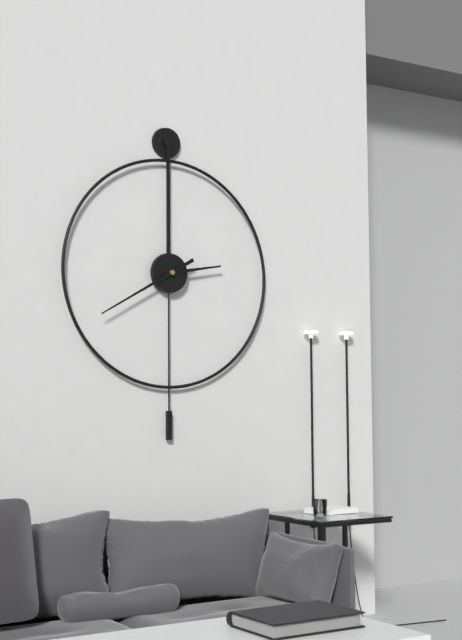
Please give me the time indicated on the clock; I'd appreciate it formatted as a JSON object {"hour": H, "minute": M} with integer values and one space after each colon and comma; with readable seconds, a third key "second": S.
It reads {"hour": 2, "minute": 40}
